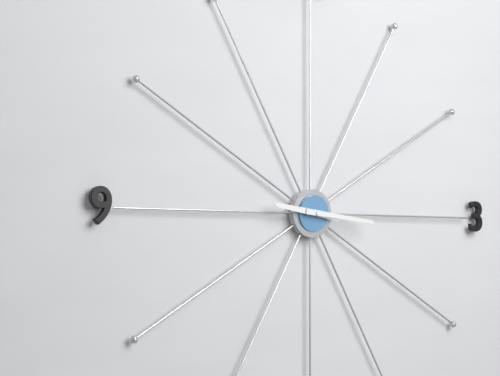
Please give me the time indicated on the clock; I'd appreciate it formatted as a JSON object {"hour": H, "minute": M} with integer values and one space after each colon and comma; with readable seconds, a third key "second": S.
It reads {"hour": 9, "minute": 16}
